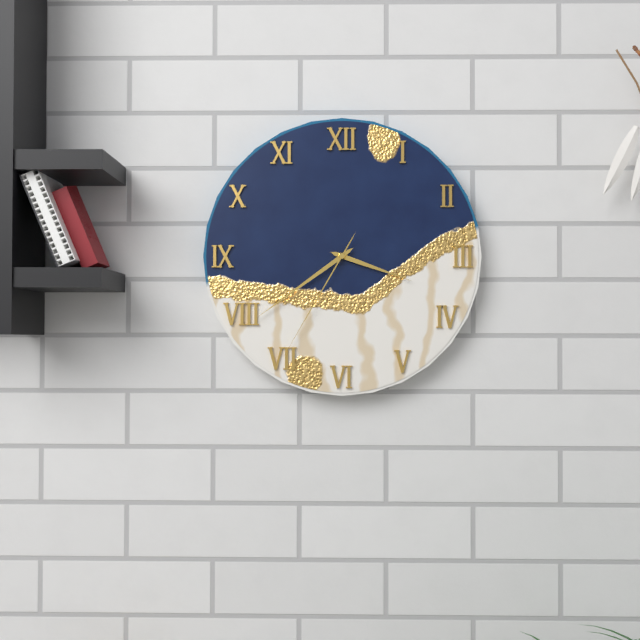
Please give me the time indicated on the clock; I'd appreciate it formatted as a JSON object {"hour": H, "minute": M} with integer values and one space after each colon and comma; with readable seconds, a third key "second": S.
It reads {"hour": 3, "minute": 39, "second": 35}
